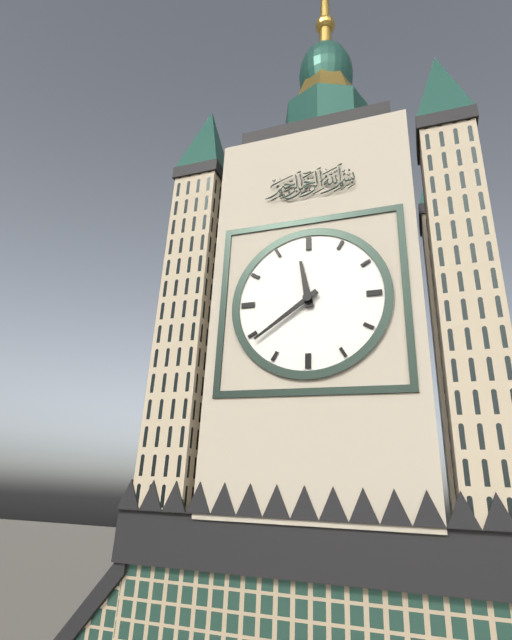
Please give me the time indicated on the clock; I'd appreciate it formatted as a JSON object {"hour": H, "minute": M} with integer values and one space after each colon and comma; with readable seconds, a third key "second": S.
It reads {"hour": 11, "minute": 39}
